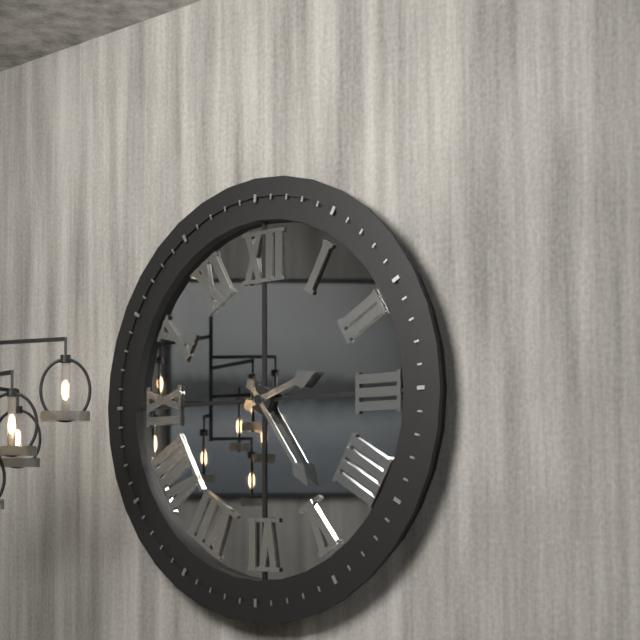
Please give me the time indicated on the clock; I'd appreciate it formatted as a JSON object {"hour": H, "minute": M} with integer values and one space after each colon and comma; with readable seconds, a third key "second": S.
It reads {"hour": 2, "minute": 24}
